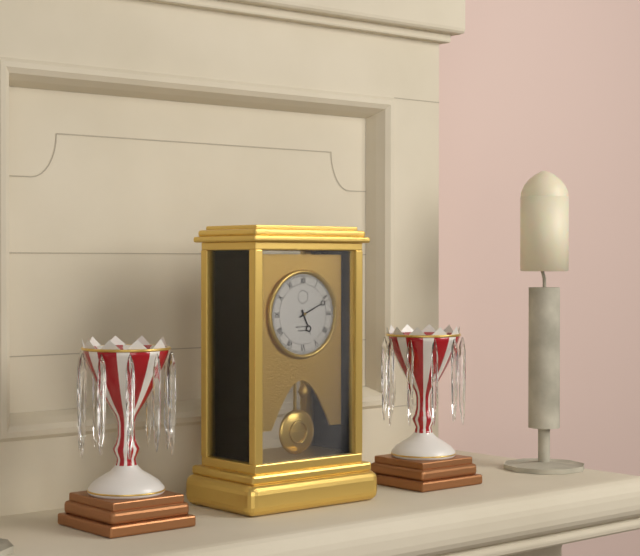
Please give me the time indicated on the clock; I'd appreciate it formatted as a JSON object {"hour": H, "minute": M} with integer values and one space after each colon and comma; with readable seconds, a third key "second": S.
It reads {"hour": 5, "minute": 11}
